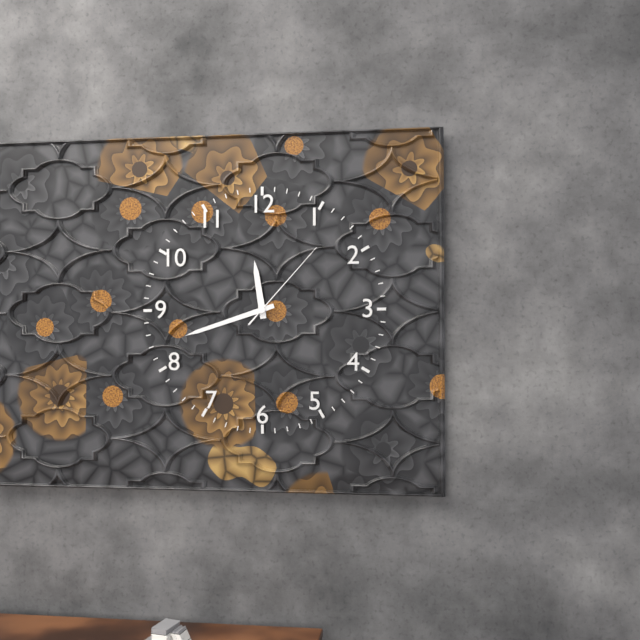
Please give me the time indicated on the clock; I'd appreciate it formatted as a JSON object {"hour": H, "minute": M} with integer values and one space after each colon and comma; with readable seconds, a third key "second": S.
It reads {"hour": 11, "minute": 42, "second": 7}
